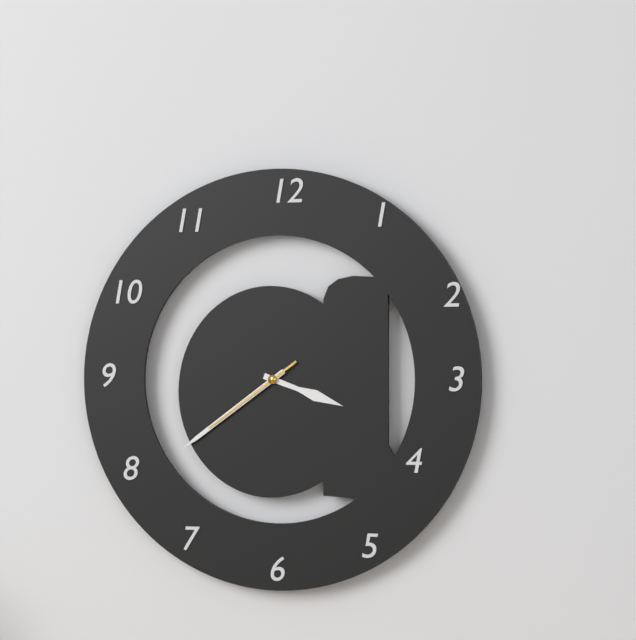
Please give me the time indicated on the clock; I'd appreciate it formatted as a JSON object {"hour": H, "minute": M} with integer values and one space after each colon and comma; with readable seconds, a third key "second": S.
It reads {"hour": 3, "minute": 39, "second": 39}
